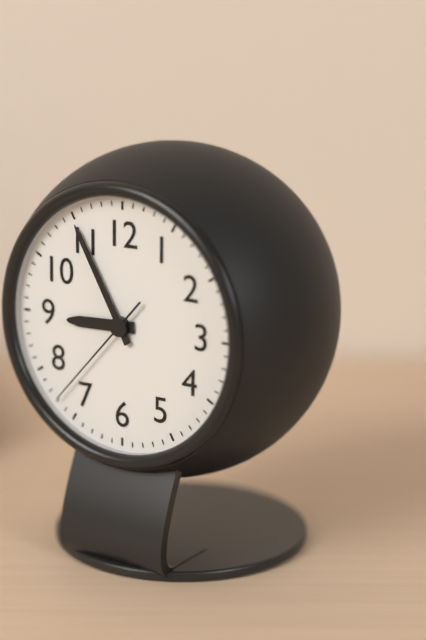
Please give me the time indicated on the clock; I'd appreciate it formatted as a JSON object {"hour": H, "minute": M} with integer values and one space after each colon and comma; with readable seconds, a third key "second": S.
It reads {"hour": 8, "minute": 55, "second": 37}
